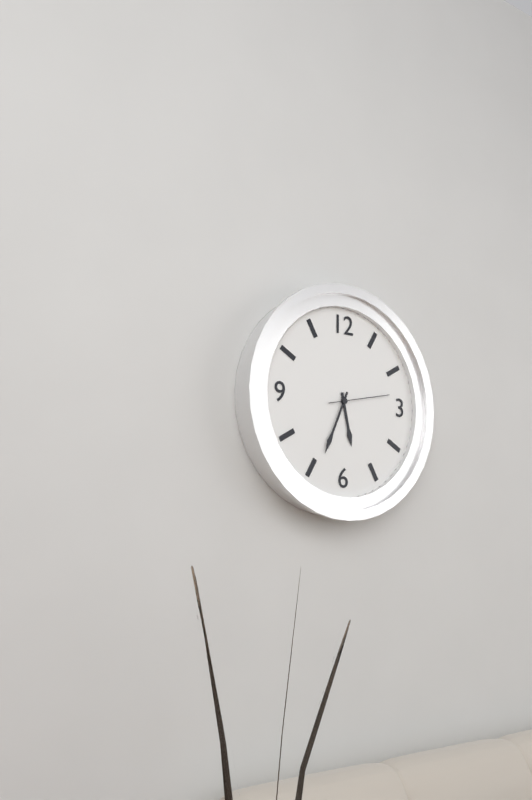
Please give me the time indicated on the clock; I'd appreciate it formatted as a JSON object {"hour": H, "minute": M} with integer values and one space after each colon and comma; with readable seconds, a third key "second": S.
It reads {"hour": 5, "minute": 34, "second": 13}
